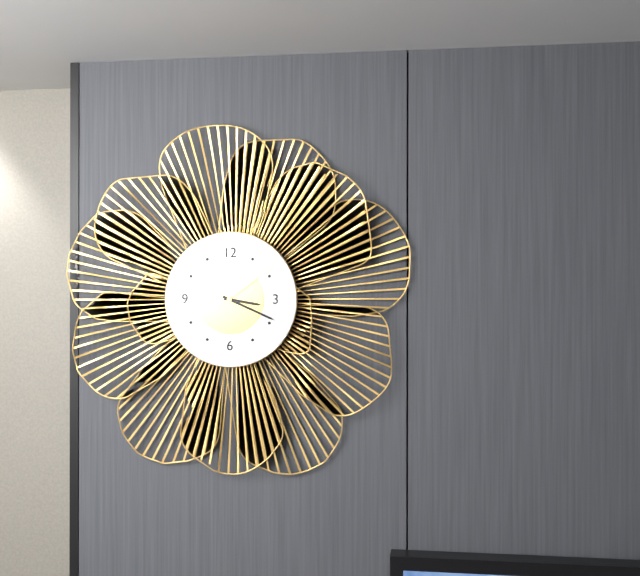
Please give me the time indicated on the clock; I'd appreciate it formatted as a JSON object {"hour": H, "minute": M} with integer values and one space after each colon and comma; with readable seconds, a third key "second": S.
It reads {"hour": 3, "minute": 19, "second": 9}
